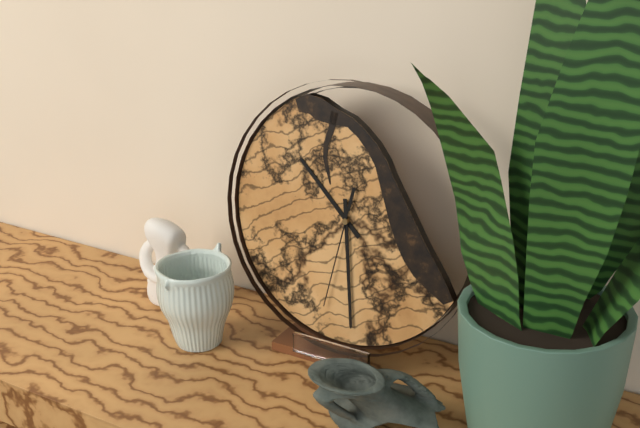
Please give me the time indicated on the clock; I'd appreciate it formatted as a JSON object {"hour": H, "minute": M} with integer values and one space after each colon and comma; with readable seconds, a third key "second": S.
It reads {"hour": 10, "minute": 29, "second": 32}
